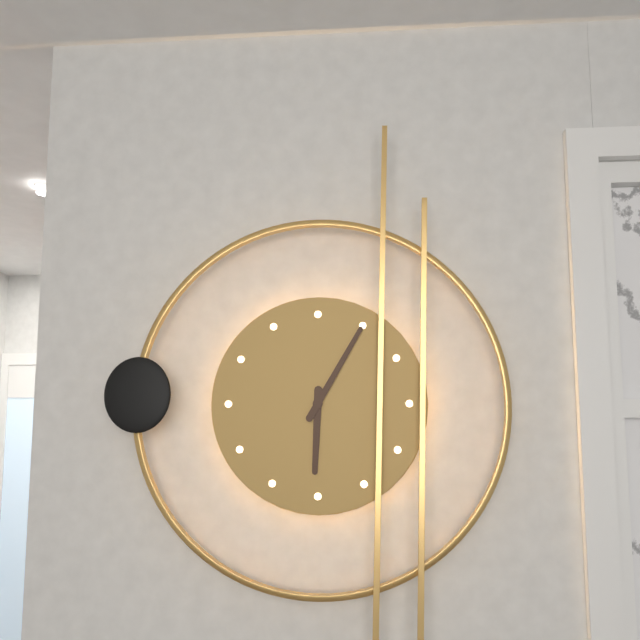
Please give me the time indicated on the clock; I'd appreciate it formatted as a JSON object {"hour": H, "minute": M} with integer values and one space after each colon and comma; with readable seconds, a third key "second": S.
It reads {"hour": 6, "minute": 5}
